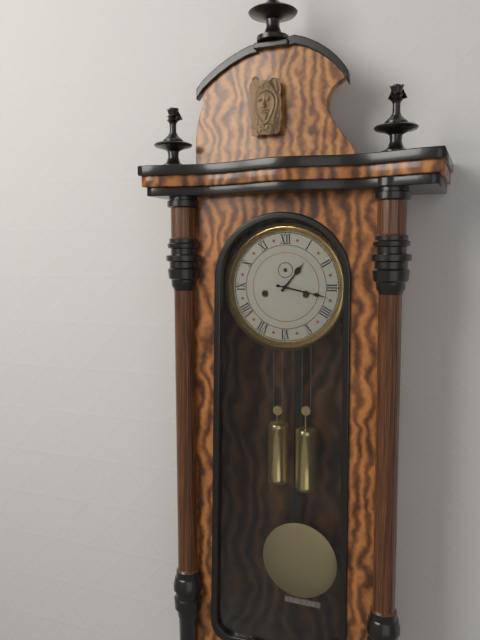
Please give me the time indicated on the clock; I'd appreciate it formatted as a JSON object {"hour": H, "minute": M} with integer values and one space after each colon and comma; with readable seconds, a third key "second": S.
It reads {"hour": 1, "minute": 17}
